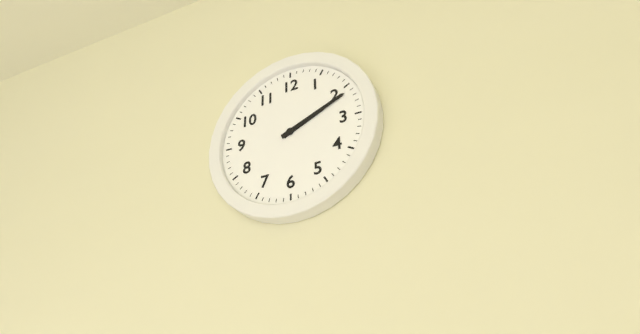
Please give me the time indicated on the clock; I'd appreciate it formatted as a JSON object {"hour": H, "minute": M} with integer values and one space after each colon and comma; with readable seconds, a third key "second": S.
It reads {"hour": 2, "minute": 11}
